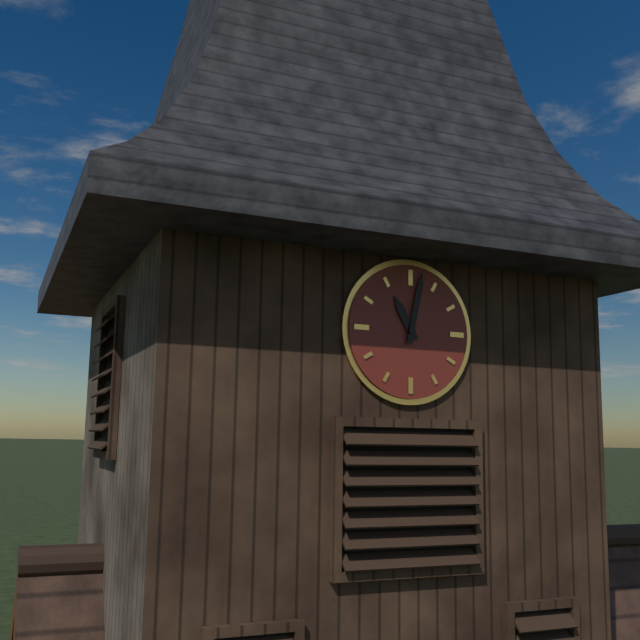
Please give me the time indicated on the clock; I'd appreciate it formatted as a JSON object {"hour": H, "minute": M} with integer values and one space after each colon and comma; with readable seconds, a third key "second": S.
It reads {"hour": 11, "minute": 2}
